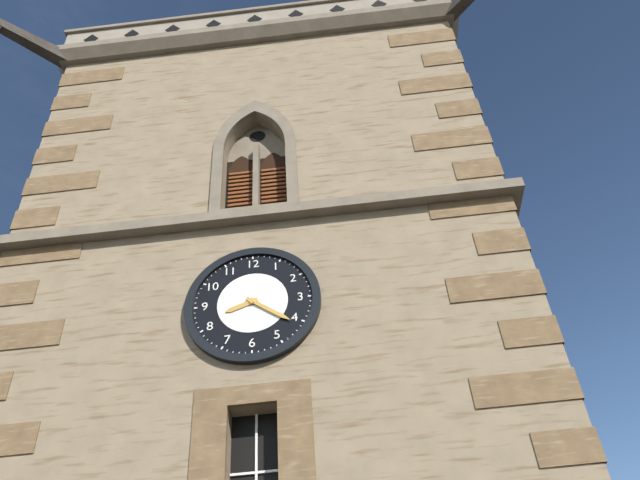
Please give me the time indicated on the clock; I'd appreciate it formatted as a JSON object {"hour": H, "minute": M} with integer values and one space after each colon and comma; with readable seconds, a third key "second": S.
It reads {"hour": 8, "minute": 21}
